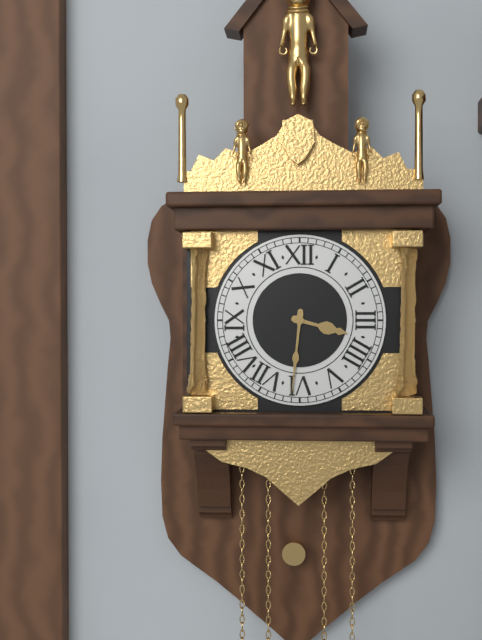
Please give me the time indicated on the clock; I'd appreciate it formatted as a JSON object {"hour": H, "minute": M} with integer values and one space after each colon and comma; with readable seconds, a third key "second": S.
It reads {"hour": 3, "minute": 31}
